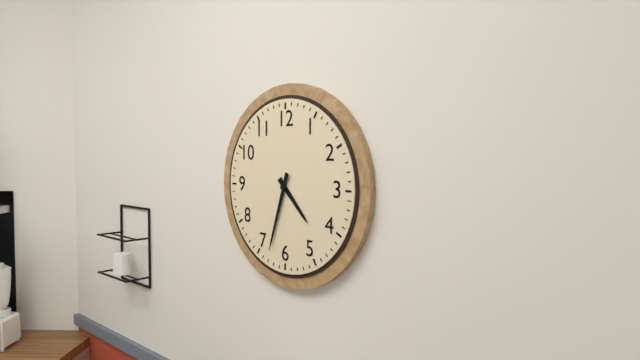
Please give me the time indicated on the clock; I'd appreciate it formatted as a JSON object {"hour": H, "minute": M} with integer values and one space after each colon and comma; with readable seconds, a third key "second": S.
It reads {"hour": 4, "minute": 33}
